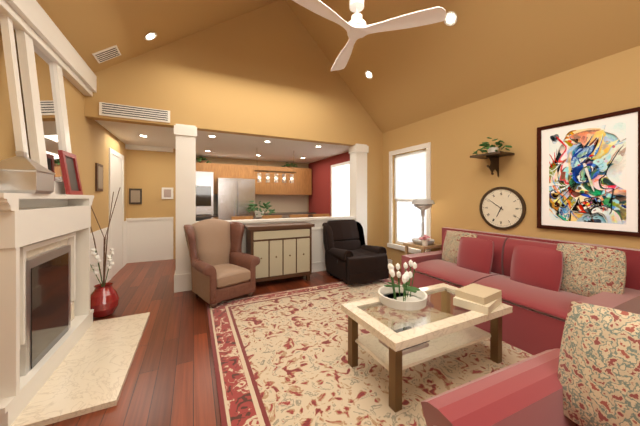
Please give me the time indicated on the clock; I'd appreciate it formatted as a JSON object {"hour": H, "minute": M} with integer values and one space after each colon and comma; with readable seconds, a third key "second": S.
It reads {"hour": 6, "minute": 51}
